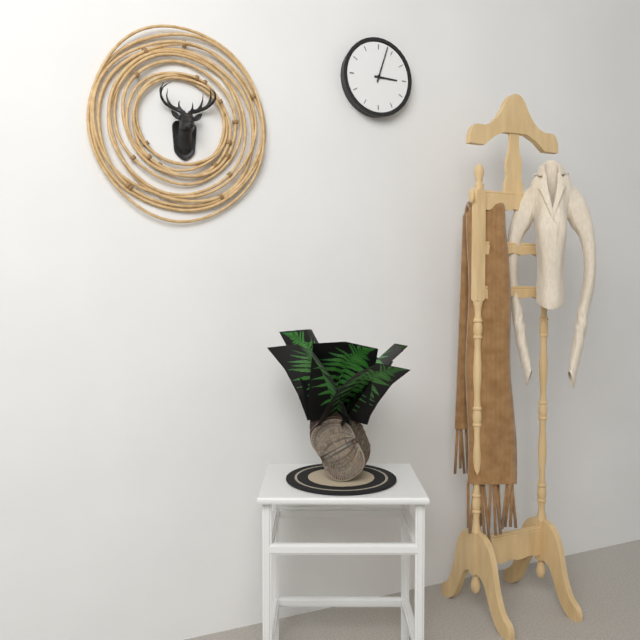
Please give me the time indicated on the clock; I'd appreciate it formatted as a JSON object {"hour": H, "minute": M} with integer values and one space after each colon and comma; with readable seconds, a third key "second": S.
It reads {"hour": 3, "minute": 3}
